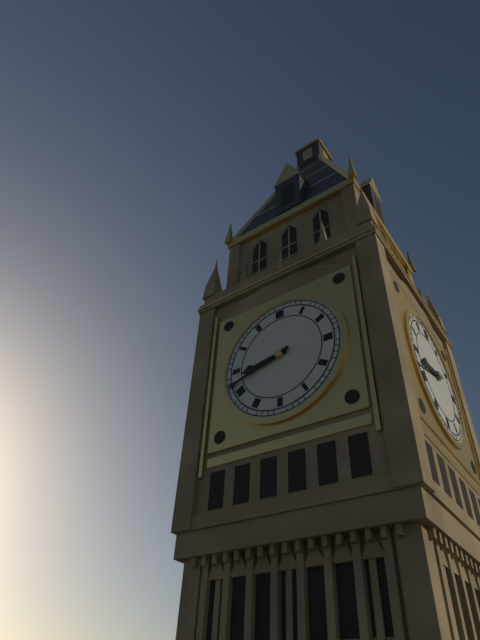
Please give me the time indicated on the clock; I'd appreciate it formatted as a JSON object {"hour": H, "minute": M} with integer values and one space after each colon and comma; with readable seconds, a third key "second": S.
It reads {"hour": 8, "minute": 42}
